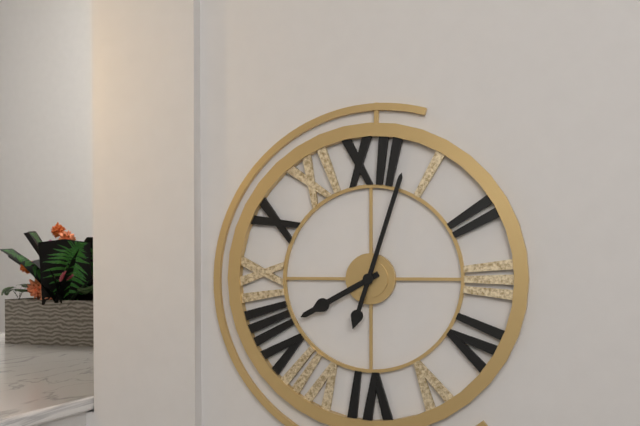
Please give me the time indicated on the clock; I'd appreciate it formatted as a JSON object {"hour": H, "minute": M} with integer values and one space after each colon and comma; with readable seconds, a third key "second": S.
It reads {"hour": 8, "minute": 3}
